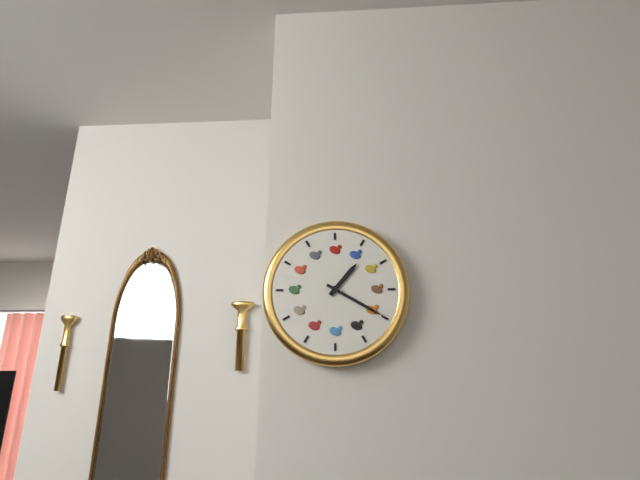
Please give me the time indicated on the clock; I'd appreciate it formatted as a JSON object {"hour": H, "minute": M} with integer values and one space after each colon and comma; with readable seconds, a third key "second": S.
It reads {"hour": 1, "minute": 20}
